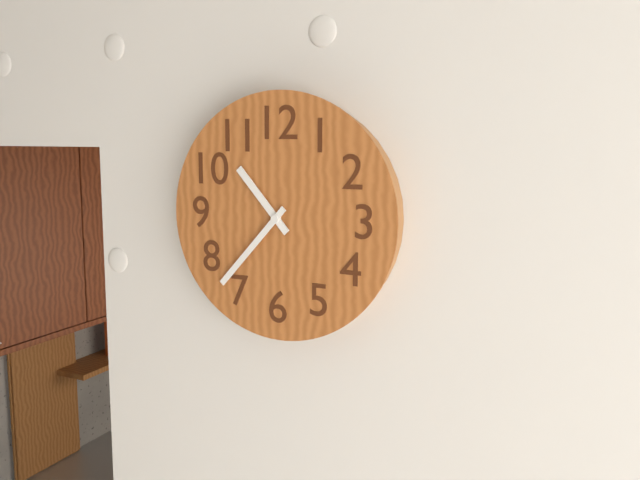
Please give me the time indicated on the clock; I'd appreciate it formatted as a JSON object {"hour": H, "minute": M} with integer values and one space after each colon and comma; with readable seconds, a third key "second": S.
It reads {"hour": 10, "minute": 37}
